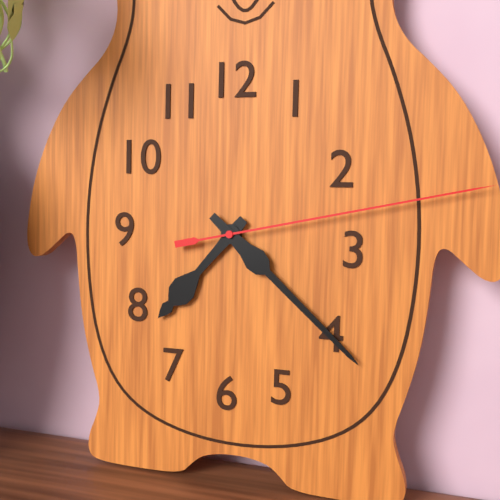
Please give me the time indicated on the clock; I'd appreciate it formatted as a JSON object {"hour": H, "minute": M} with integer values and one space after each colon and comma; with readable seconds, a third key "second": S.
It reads {"hour": 7, "minute": 22, "second": 13}
